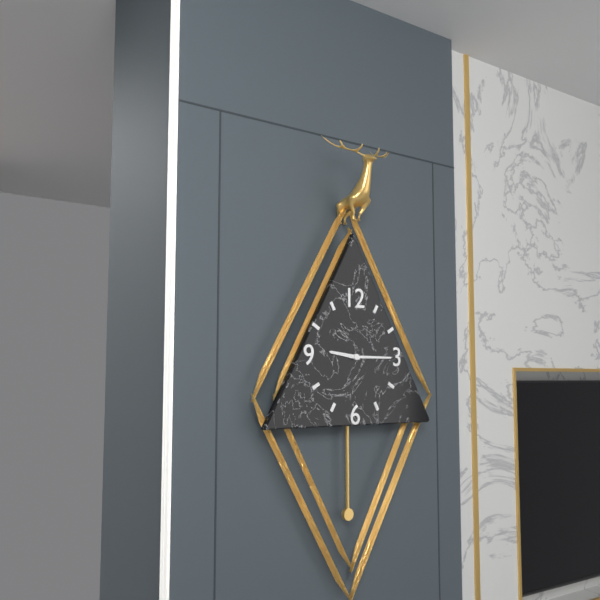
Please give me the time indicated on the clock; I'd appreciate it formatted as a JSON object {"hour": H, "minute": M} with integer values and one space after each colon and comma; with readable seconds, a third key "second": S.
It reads {"hour": 9, "minute": 15}
